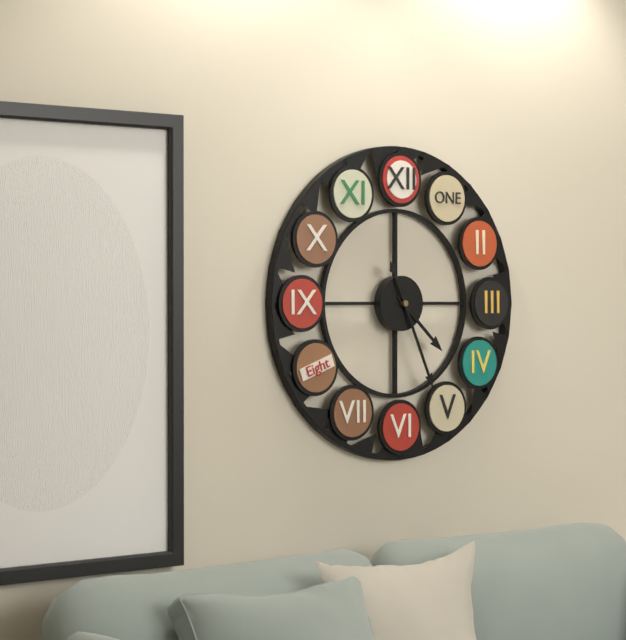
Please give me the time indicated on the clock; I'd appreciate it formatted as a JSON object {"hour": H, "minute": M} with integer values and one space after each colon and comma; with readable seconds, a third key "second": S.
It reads {"hour": 4, "minute": 26}
